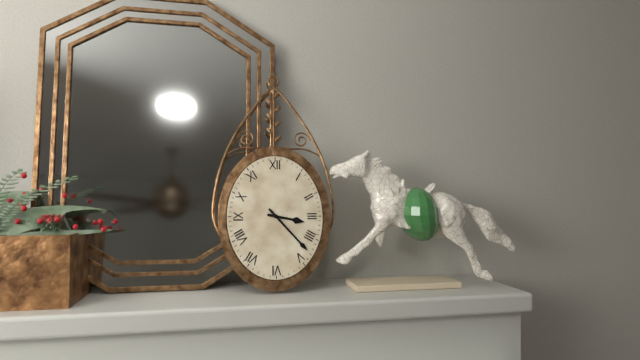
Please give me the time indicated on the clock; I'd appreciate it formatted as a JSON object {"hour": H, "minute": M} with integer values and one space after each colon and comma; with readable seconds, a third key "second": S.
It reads {"hour": 3, "minute": 23}
